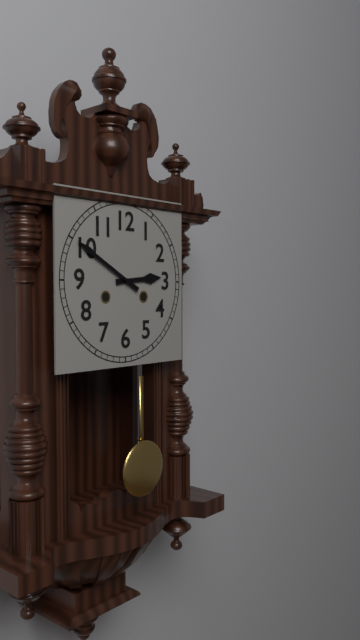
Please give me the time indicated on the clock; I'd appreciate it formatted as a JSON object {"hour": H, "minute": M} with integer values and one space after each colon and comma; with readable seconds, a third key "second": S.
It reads {"hour": 2, "minute": 50}
